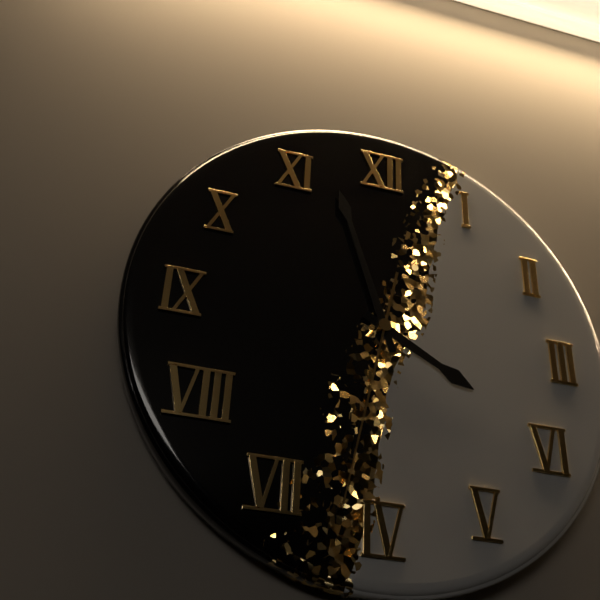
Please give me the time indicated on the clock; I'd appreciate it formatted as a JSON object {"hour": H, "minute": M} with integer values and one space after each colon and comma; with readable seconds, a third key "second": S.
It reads {"hour": 3, "minute": 57, "second": 32}
